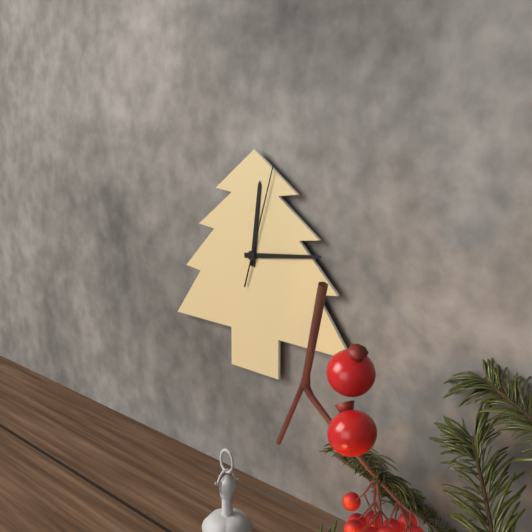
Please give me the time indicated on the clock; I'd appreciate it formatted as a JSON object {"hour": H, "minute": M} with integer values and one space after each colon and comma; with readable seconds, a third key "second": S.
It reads {"hour": 12, "minute": 14, "second": 3}
